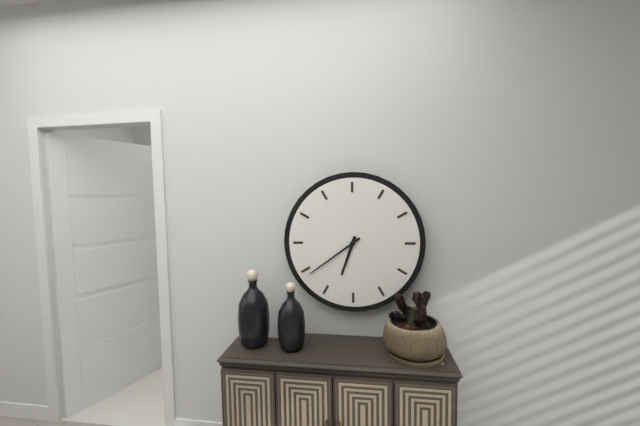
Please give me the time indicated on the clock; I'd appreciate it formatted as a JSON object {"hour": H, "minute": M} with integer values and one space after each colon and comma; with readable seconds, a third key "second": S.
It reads {"hour": 6, "minute": 39}
